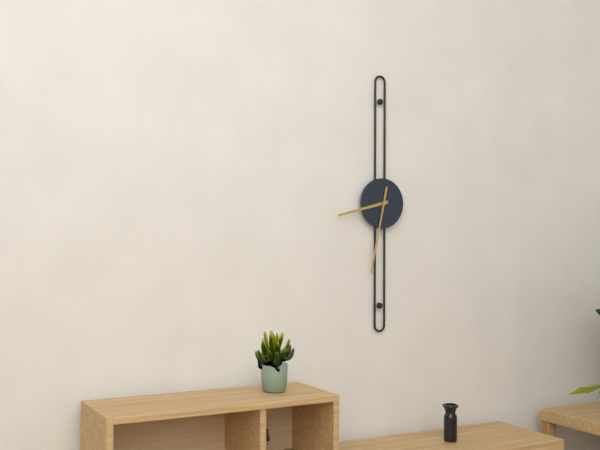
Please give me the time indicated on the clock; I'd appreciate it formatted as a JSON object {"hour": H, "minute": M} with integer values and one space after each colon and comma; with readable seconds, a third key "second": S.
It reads {"hour": 8, "minute": 32}
